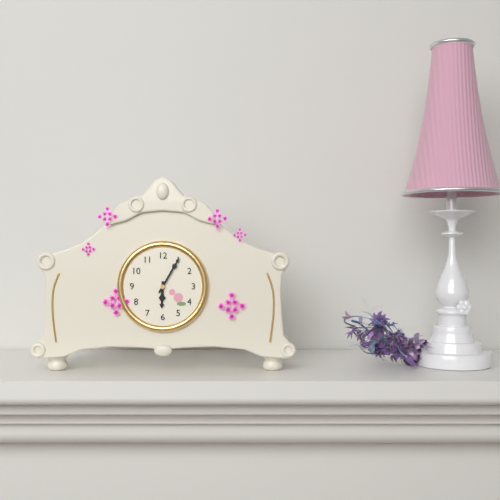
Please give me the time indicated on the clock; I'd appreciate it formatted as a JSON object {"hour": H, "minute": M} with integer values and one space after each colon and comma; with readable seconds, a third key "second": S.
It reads {"hour": 6, "minute": 5}
